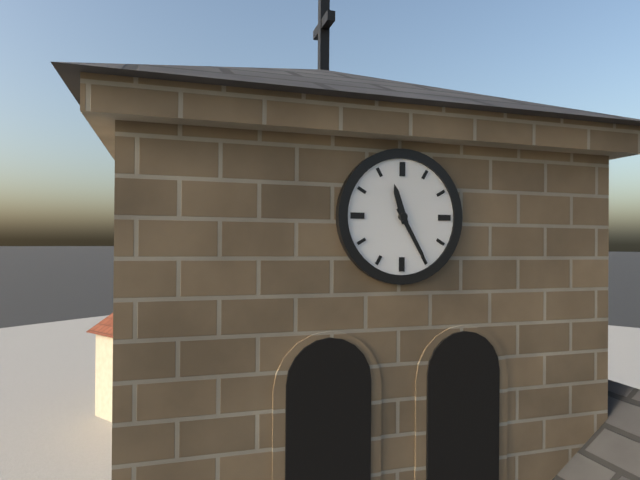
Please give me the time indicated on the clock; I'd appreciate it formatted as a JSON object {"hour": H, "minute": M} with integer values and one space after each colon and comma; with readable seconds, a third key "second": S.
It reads {"hour": 11, "minute": 25}
